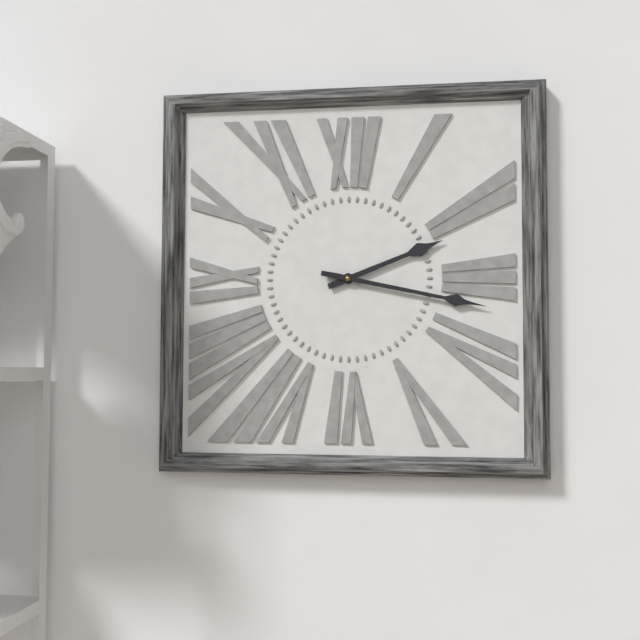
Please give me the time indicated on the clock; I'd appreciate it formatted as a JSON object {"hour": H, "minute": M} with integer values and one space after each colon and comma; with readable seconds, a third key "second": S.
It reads {"hour": 2, "minute": 17}
